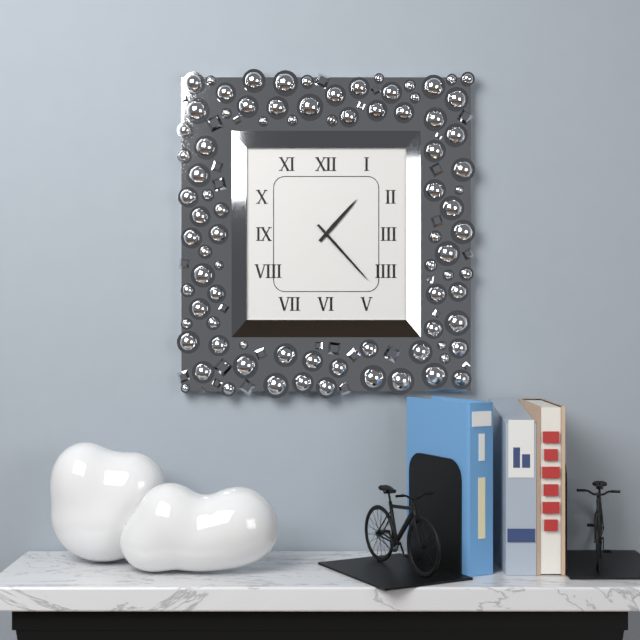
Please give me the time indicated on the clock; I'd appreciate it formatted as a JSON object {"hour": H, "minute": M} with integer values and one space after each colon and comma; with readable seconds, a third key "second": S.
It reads {"hour": 1, "minute": 23}
